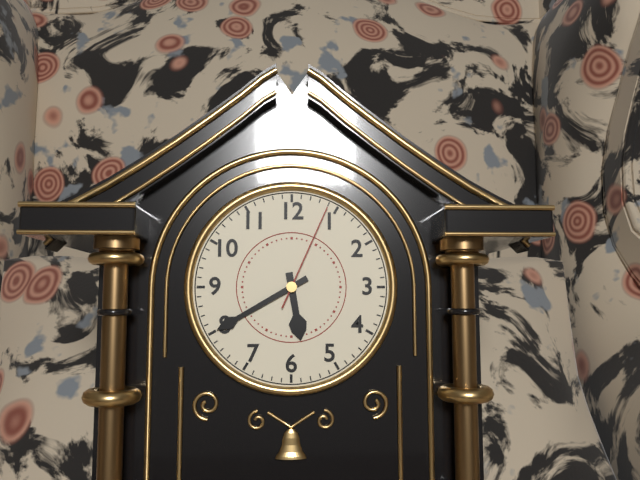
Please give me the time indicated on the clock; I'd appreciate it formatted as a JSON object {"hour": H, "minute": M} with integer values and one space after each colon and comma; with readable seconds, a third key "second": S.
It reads {"hour": 5, "minute": 40, "second": 4}
